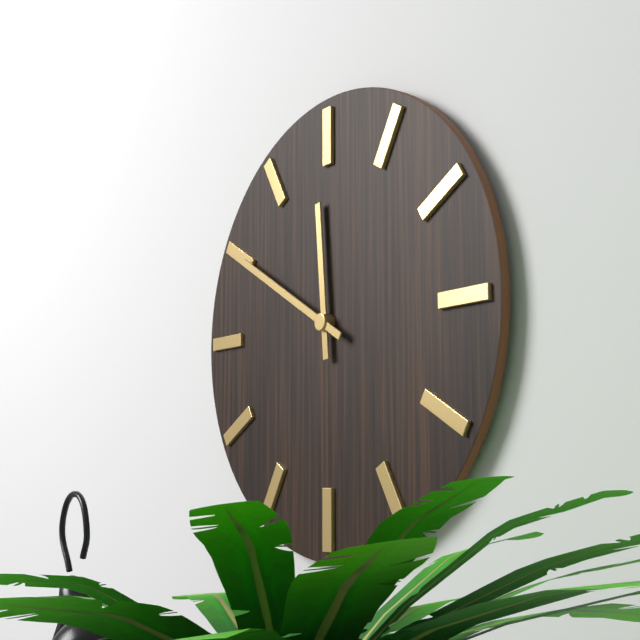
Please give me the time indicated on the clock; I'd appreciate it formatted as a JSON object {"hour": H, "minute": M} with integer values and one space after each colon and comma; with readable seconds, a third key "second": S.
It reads {"hour": 11, "minute": 50}
